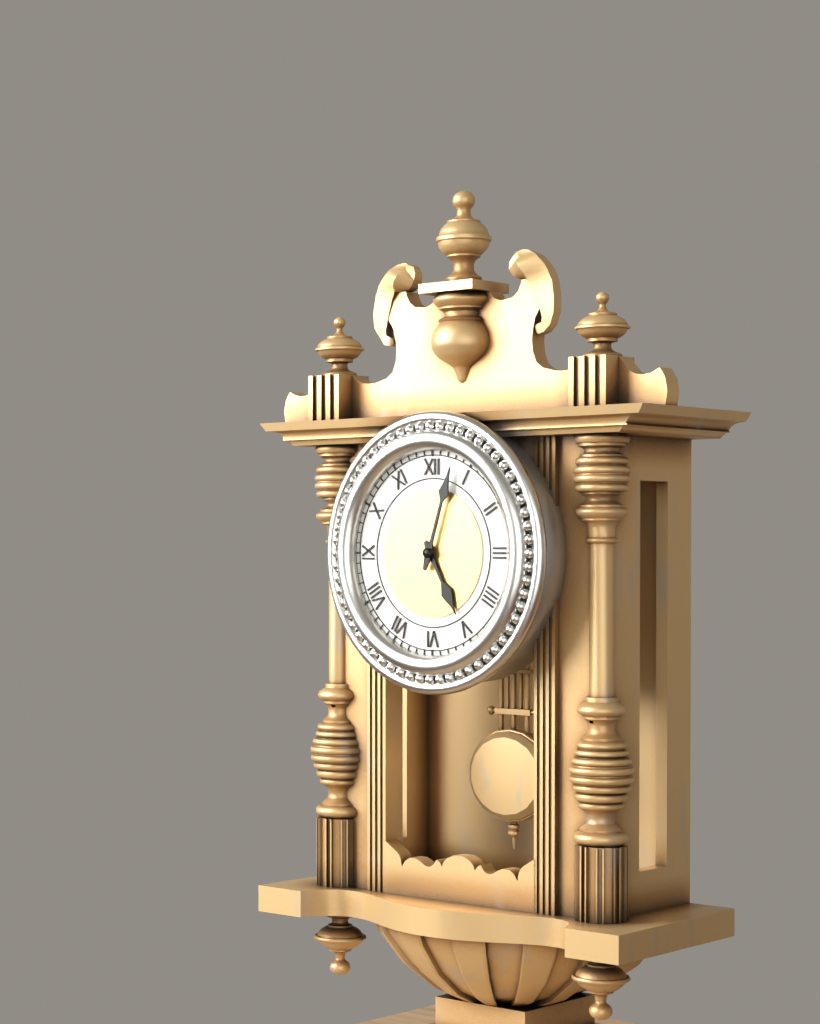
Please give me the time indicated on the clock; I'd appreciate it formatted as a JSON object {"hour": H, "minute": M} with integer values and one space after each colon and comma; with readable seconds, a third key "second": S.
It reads {"hour": 5, "minute": 3}
